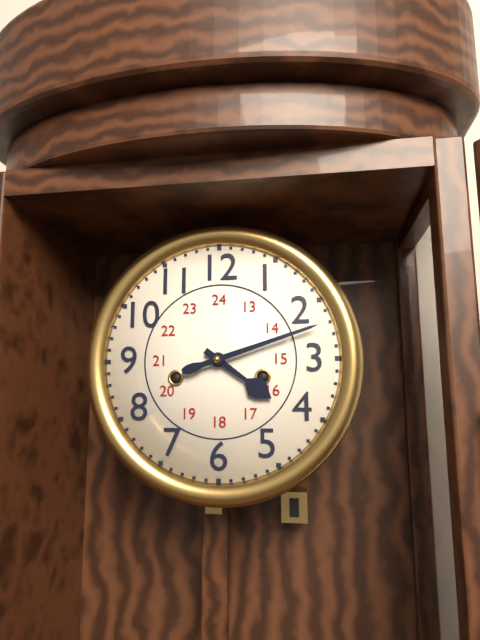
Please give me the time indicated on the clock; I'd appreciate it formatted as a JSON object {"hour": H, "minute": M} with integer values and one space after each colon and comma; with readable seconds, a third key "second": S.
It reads {"hour": 4, "minute": 12}
